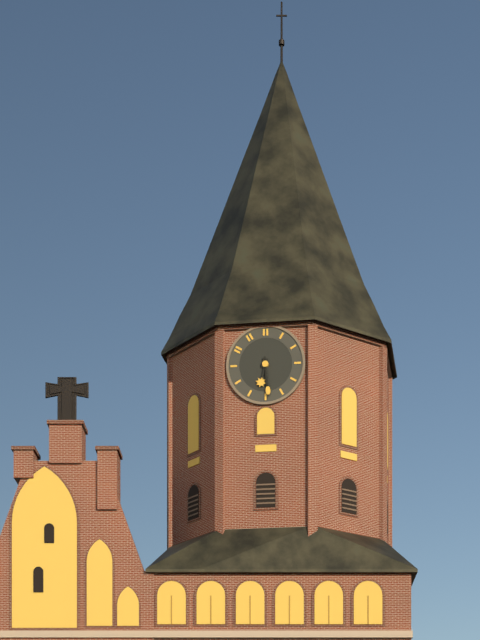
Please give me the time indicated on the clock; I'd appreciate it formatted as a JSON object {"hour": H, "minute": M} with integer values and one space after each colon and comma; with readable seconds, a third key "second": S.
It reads {"hour": 6, "minute": 29}
